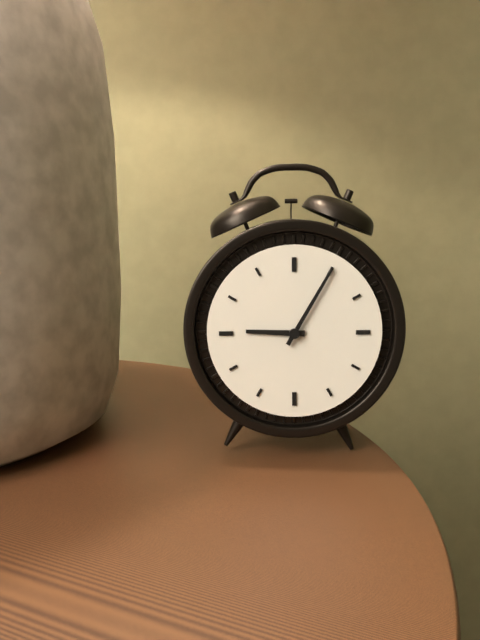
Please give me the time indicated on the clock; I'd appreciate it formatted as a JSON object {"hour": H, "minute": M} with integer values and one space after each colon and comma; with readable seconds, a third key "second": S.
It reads {"hour": 9, "minute": 5}
